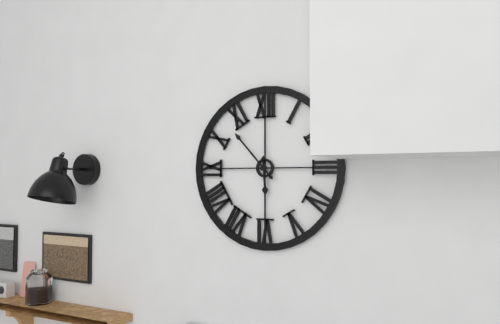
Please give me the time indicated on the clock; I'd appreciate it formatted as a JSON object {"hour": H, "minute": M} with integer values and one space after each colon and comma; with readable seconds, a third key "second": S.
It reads {"hour": 5, "minute": 53}
